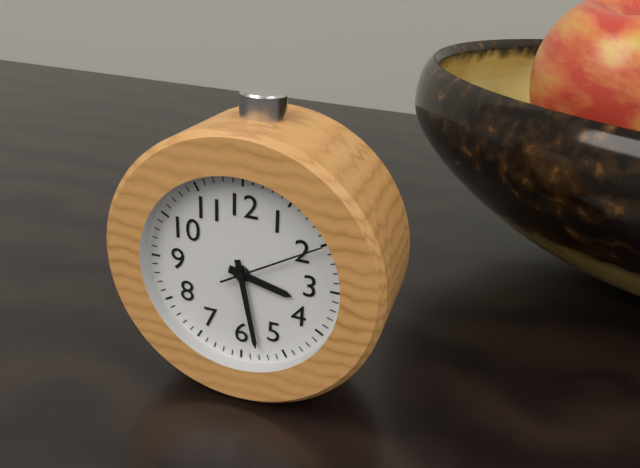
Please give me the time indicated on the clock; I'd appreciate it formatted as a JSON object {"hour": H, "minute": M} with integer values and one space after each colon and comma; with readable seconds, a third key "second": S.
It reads {"hour": 3, "minute": 28, "second": 10}
